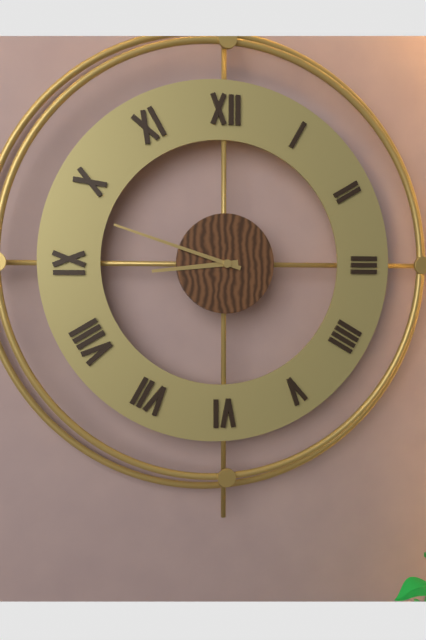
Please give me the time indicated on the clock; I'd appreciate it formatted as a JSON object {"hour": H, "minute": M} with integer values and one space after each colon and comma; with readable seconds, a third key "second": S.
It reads {"hour": 8, "minute": 48}
